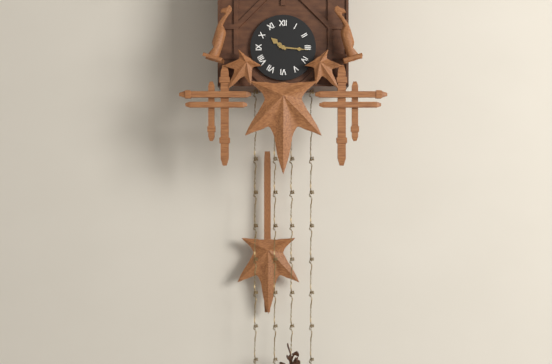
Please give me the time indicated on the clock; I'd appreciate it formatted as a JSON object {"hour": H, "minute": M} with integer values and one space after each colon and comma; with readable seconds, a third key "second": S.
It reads {"hour": 10, "minute": 16}
